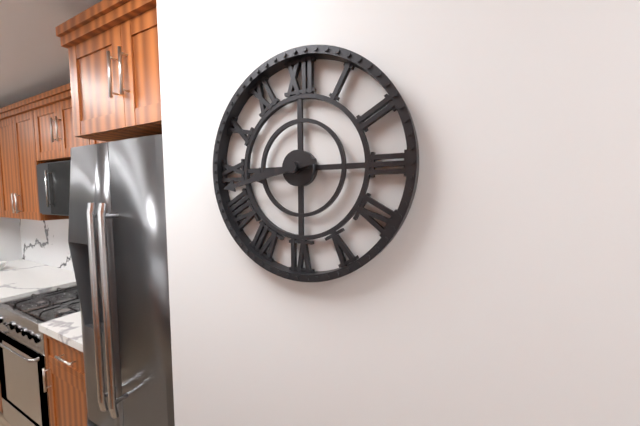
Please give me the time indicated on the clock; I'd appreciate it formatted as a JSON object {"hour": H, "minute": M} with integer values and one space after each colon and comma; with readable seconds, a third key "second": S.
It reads {"hour": 8, "minute": 43}
